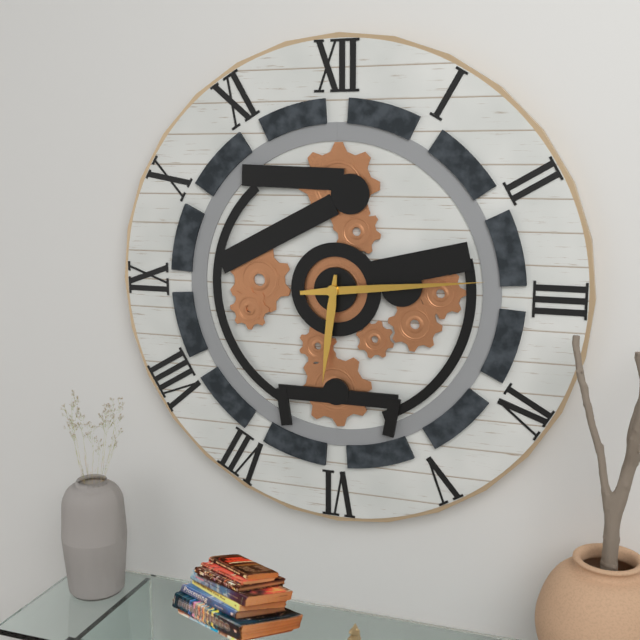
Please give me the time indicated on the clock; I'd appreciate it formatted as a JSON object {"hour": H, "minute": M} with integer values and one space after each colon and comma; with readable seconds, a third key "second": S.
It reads {"hour": 6, "minute": 14}
